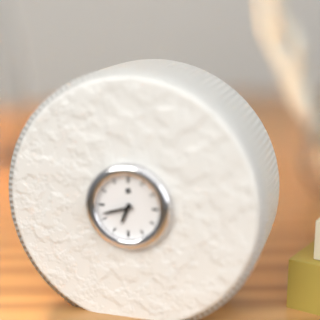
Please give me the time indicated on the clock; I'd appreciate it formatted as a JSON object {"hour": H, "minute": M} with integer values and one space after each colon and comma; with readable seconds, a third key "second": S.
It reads {"hour": 6, "minute": 42}
